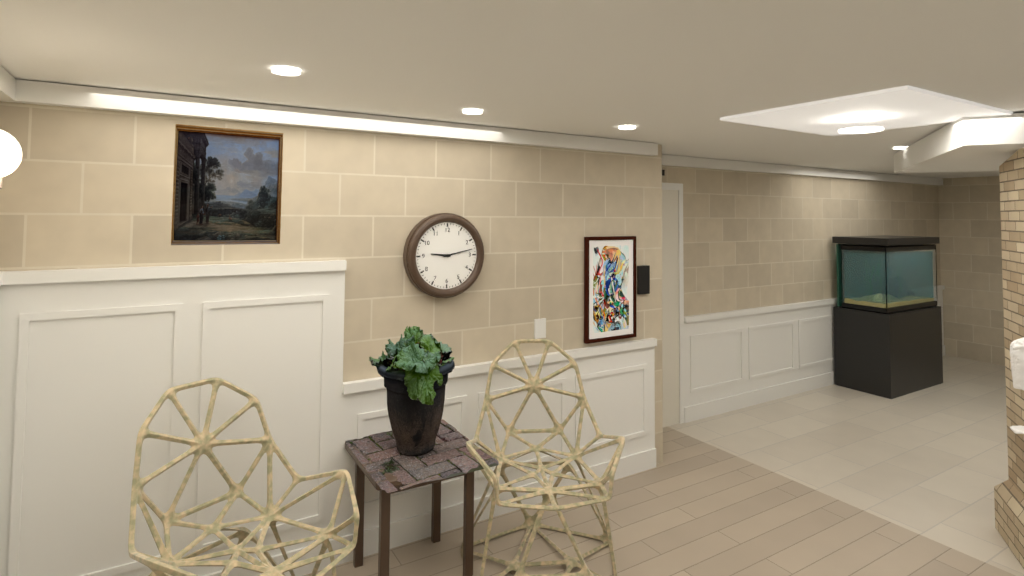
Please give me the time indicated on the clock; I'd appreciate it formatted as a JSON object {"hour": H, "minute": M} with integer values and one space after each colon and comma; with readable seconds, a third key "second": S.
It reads {"hour": 9, "minute": 13}
